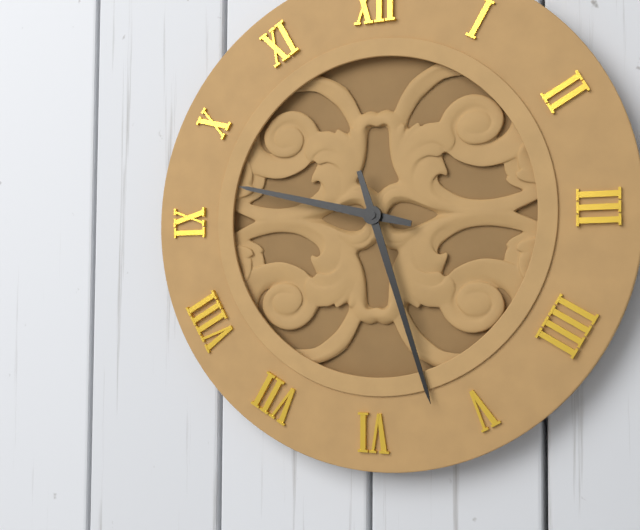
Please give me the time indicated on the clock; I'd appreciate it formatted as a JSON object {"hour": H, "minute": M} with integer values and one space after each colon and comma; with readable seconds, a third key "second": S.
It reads {"hour": 9, "minute": 27}
